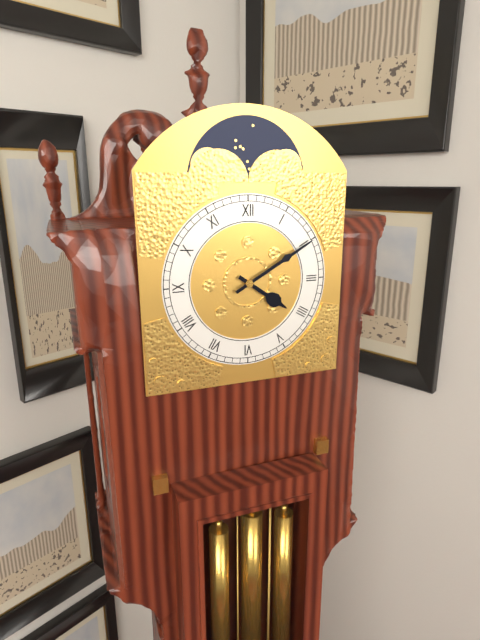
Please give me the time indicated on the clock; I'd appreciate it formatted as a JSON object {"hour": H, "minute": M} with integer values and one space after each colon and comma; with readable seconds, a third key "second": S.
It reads {"hour": 4, "minute": 10}
